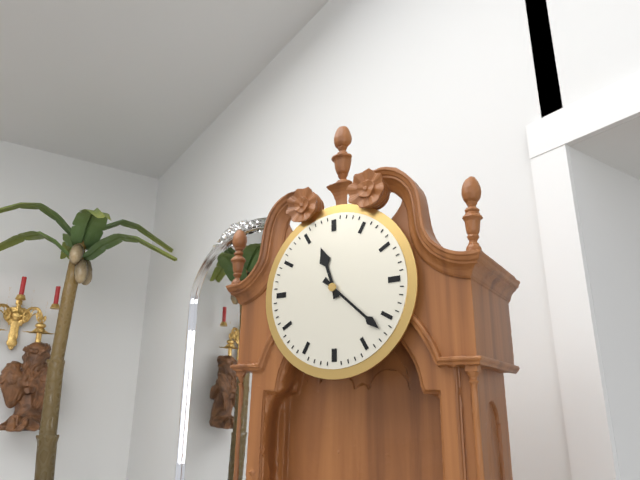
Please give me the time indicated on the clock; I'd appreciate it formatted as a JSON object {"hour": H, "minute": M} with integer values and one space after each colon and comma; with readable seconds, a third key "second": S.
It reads {"hour": 11, "minute": 22}
